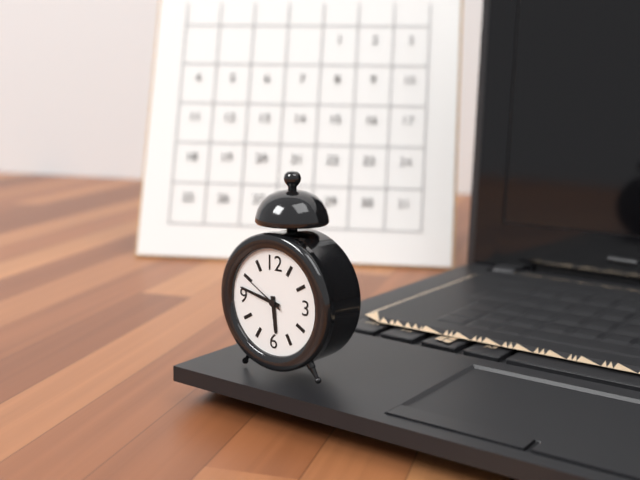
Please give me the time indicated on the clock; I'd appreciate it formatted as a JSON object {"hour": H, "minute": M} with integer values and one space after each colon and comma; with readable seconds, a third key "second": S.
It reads {"hour": 5, "minute": 47}
